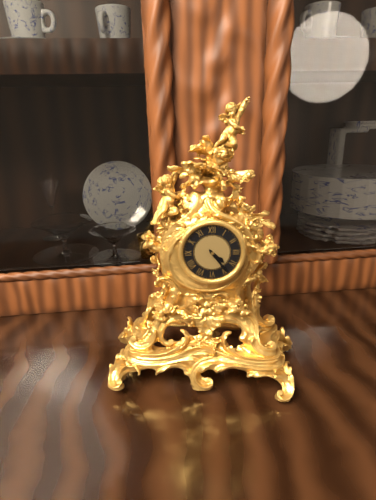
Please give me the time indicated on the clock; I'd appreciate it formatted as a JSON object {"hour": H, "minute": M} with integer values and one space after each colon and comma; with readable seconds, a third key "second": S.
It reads {"hour": 4, "minute": 24}
